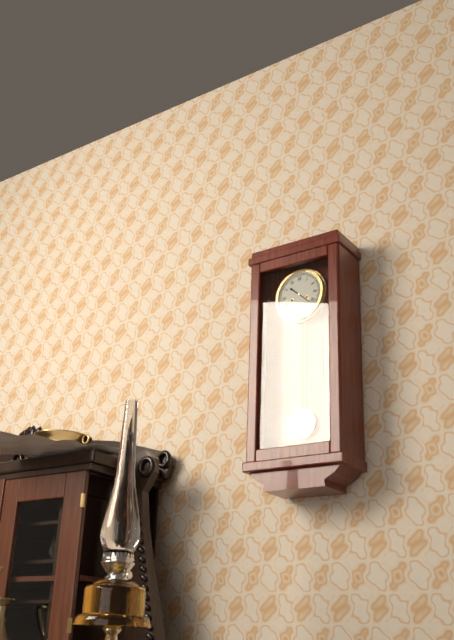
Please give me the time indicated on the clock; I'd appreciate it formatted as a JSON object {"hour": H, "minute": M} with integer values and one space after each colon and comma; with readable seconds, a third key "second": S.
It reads {"hour": 10, "minute": 22}
